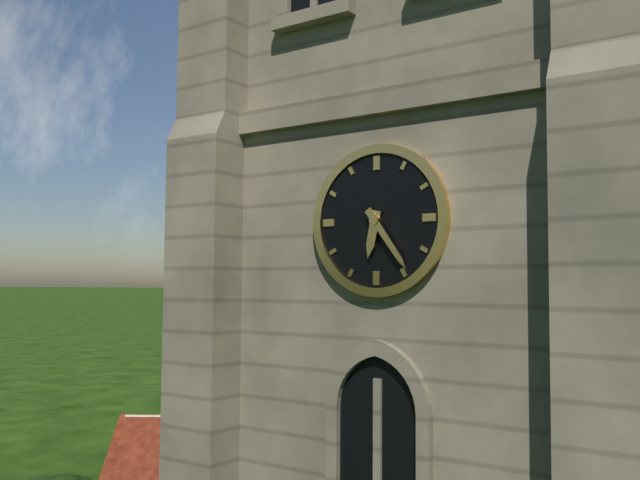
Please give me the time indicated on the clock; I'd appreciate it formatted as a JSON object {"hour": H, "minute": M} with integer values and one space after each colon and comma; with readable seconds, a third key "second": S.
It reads {"hour": 6, "minute": 24}
